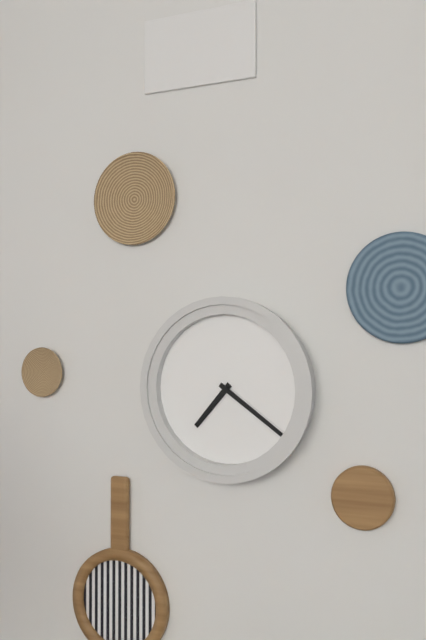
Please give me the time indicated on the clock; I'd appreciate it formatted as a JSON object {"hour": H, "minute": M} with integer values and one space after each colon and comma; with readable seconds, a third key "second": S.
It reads {"hour": 7, "minute": 21}
